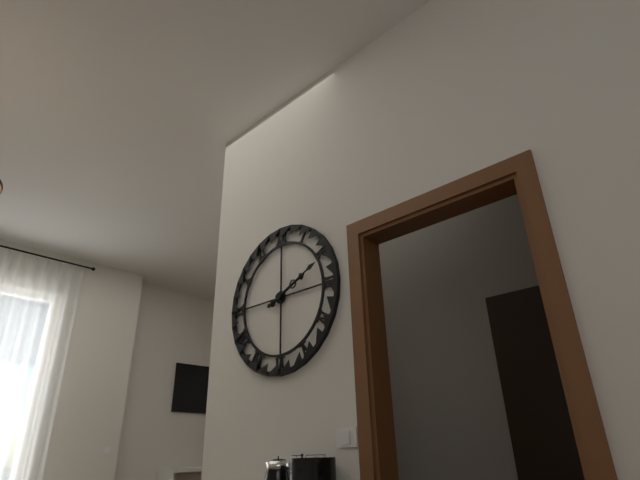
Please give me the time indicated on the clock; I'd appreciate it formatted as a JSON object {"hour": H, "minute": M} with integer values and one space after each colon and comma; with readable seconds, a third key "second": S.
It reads {"hour": 2, "minute": 11}
